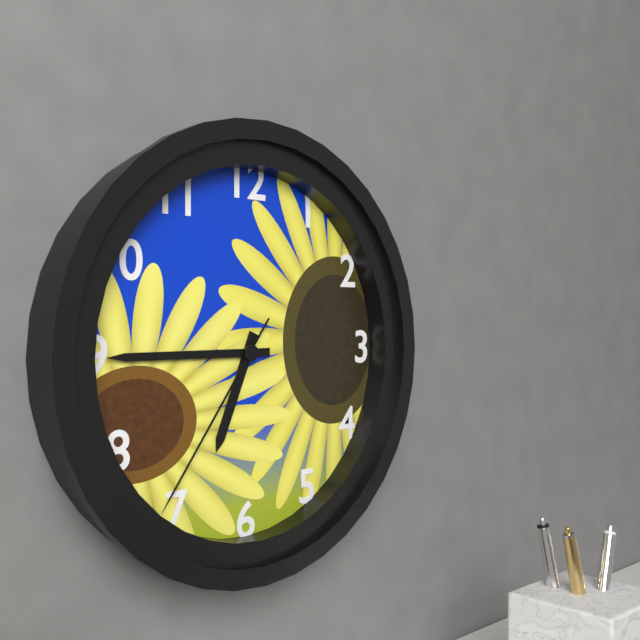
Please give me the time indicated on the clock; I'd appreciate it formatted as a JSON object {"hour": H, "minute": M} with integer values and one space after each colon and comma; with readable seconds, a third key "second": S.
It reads {"hour": 6, "minute": 45, "second": 36}
